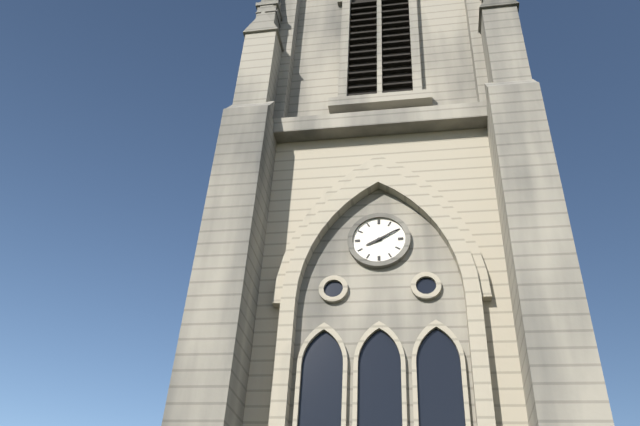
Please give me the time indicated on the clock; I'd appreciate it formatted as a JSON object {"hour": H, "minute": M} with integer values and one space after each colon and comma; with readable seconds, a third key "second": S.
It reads {"hour": 8, "minute": 10}
